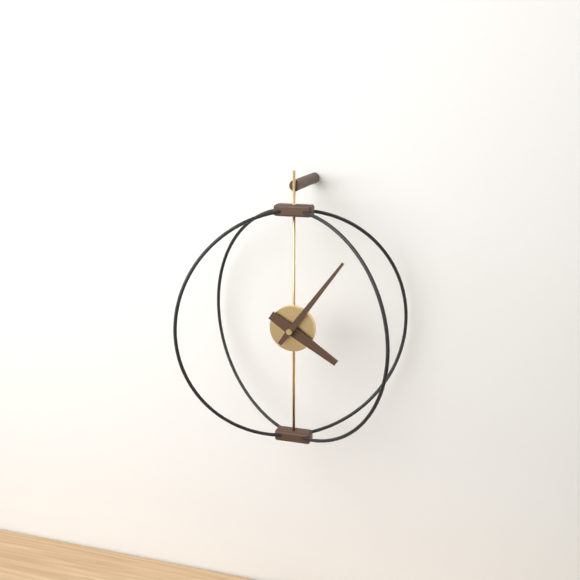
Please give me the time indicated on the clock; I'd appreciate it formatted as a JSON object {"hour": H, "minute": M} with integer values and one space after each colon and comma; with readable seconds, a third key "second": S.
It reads {"hour": 4, "minute": 6}
